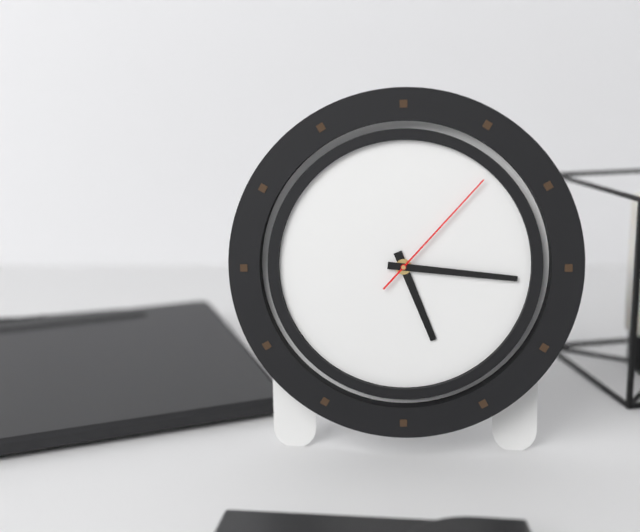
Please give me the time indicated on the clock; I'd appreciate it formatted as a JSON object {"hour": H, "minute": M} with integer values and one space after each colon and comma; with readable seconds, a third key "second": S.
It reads {"hour": 5, "minute": 16, "second": 7}
